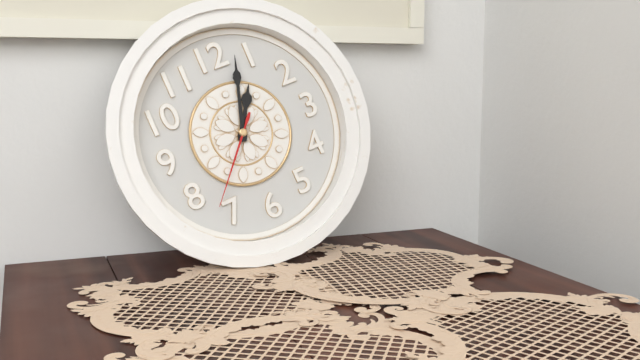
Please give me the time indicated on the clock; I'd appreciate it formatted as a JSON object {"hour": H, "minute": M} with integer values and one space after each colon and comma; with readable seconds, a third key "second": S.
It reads {"hour": 1, "minute": 3, "second": 37}
